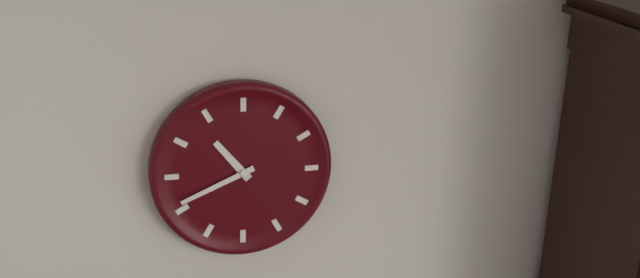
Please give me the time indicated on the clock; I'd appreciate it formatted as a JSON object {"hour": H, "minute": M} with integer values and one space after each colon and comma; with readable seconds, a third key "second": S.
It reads {"hour": 10, "minute": 41}
